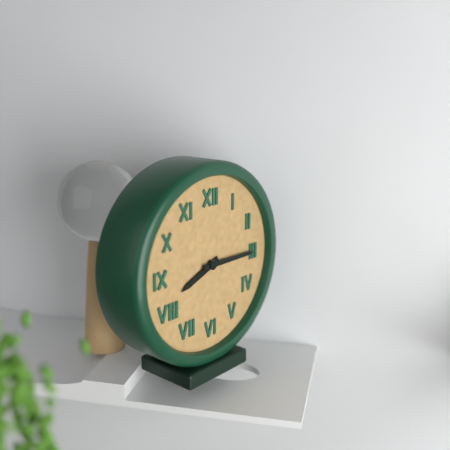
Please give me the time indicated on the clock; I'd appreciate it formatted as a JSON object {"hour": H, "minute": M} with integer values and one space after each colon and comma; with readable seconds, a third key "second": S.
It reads {"hour": 8, "minute": 15}
